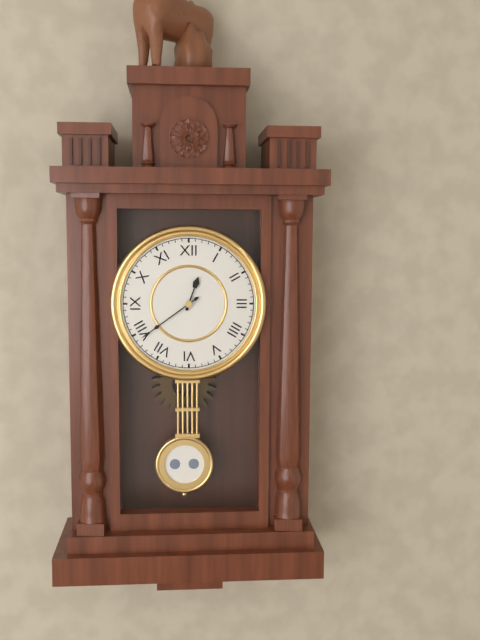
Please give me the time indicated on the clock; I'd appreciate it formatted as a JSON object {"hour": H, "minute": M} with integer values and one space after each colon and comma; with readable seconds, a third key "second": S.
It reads {"hour": 12, "minute": 39}
